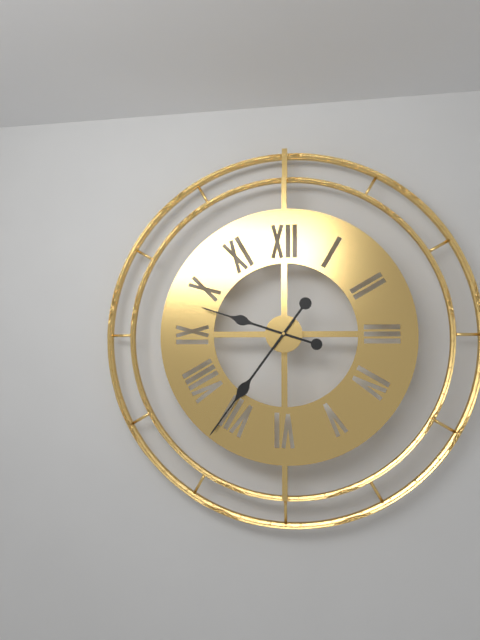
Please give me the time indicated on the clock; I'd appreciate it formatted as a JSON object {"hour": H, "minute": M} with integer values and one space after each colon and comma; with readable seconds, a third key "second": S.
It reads {"hour": 9, "minute": 36}
